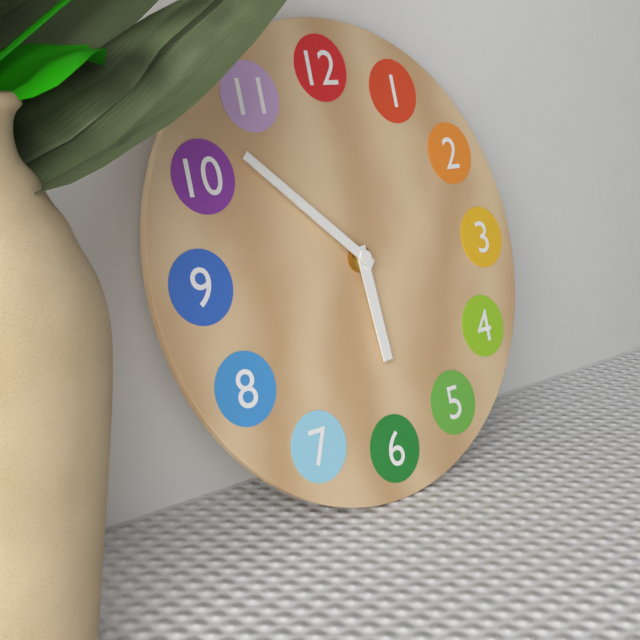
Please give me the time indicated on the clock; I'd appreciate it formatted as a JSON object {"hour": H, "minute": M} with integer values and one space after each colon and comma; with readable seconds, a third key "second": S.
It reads {"hour": 5, "minute": 52}
